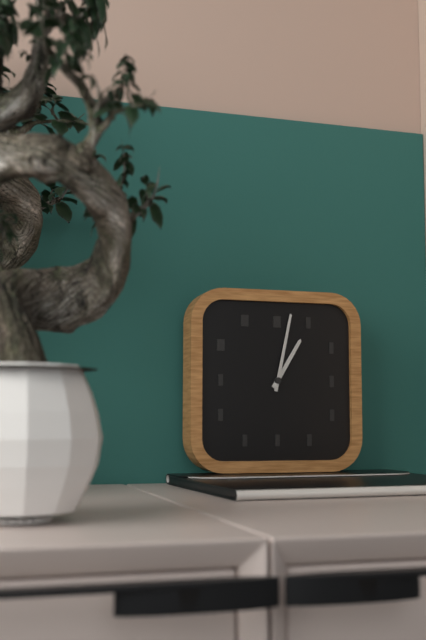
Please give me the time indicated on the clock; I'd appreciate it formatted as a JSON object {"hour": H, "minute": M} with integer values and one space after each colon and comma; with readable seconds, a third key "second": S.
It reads {"hour": 1, "minute": 2}
